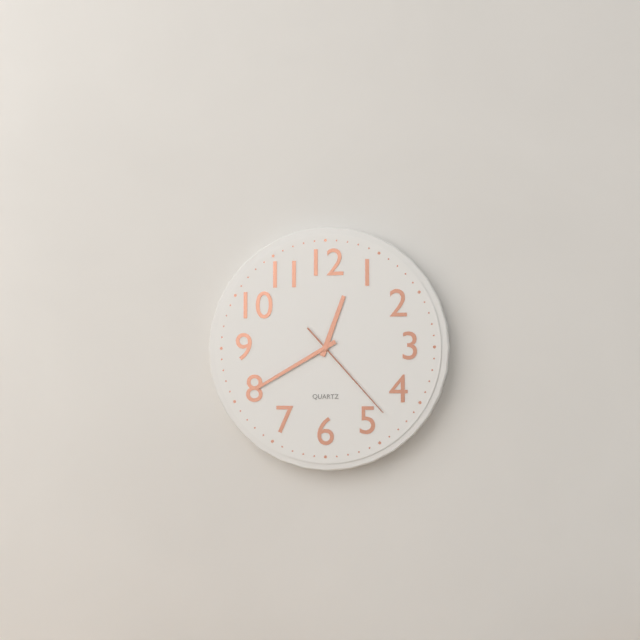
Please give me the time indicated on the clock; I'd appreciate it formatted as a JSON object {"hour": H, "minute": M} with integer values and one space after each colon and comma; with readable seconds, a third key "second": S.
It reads {"hour": 12, "minute": 40, "second": 23}
